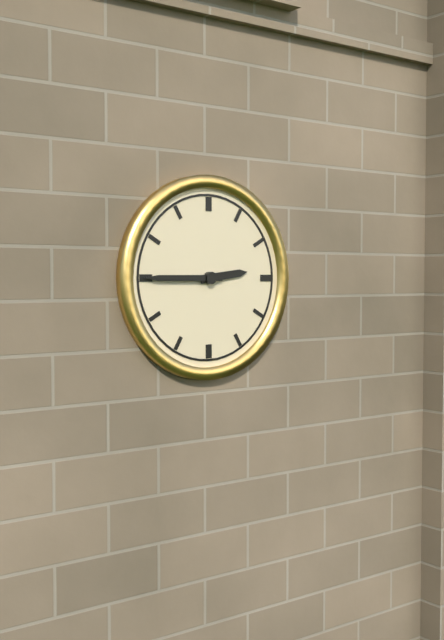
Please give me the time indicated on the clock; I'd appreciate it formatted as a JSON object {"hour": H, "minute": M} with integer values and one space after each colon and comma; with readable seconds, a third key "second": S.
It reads {"hour": 2, "minute": 45}
